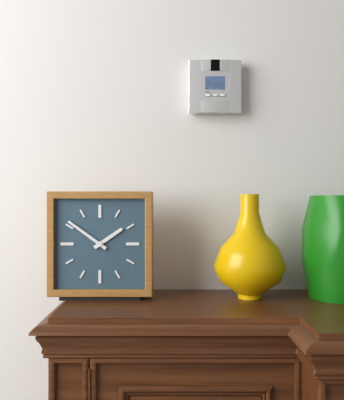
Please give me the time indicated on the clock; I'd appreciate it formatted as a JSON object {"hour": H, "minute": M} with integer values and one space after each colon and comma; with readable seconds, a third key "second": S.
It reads {"hour": 1, "minute": 51}
